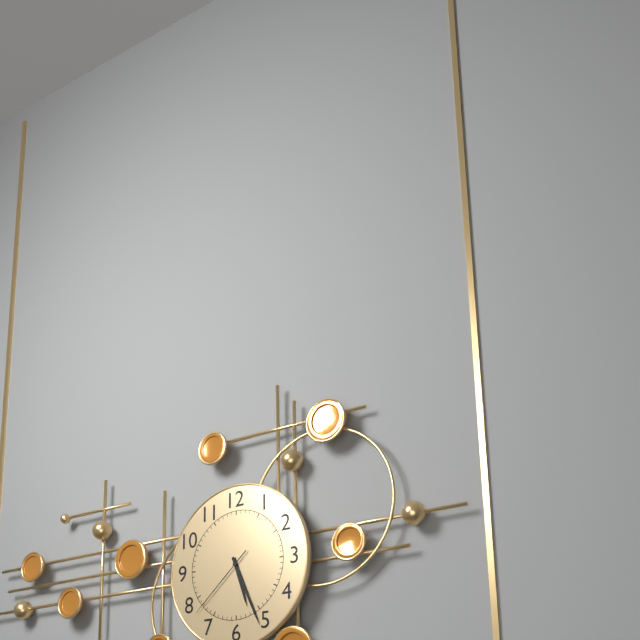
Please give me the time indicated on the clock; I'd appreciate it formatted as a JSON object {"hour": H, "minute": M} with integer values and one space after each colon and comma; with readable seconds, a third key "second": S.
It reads {"hour": 5, "minute": 26, "second": 38}
